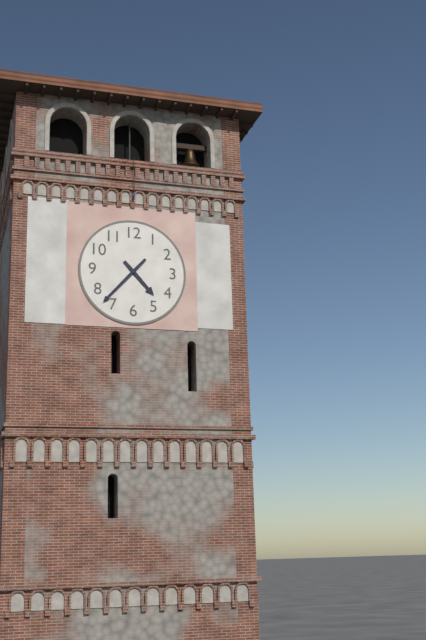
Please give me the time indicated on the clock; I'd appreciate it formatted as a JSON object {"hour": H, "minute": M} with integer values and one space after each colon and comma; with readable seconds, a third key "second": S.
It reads {"hour": 4, "minute": 37}
